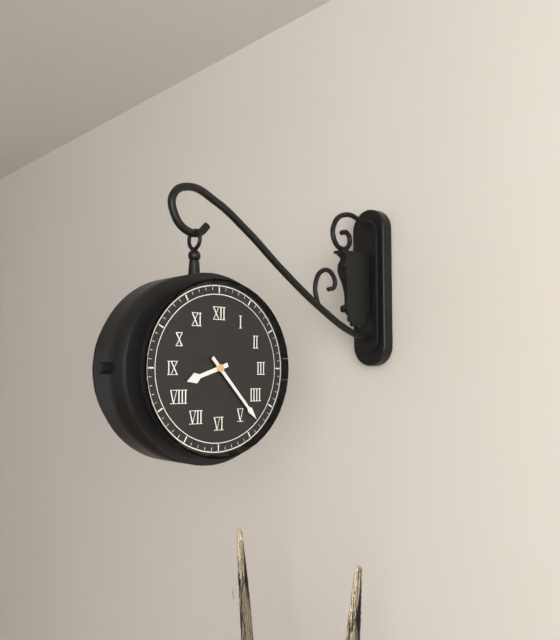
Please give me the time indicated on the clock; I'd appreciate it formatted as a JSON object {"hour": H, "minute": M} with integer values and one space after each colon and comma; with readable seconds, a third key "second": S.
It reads {"hour": 8, "minute": 23}
